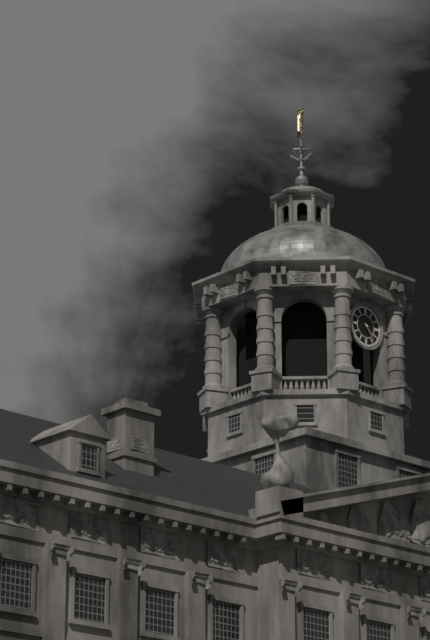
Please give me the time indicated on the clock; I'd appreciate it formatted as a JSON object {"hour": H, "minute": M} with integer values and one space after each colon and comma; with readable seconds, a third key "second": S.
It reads {"hour": 4, "minute": 24}
